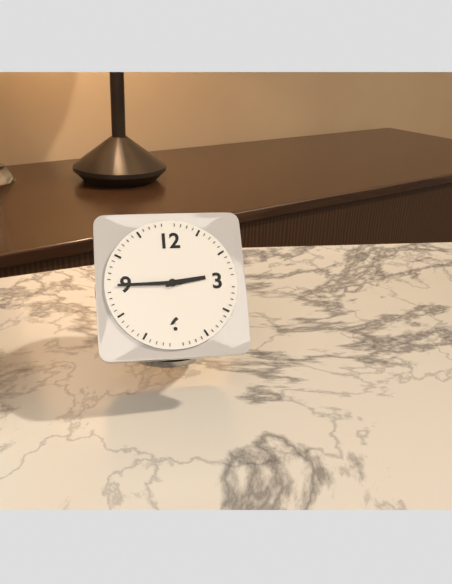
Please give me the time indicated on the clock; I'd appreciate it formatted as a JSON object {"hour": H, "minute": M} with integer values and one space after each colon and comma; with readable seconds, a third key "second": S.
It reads {"hour": 2, "minute": 45}
